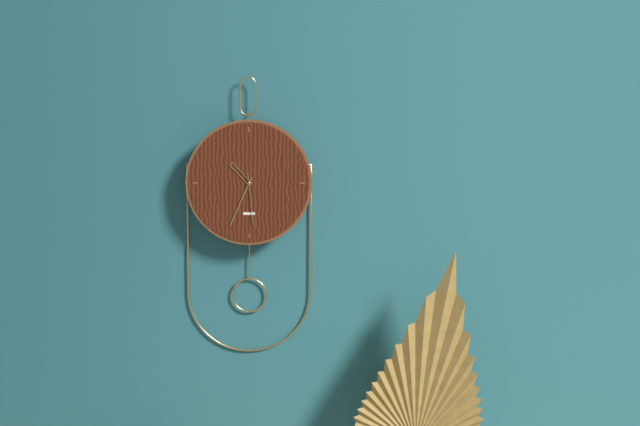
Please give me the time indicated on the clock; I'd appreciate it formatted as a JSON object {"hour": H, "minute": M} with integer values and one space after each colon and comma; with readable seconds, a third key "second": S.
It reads {"hour": 10, "minute": 34, "second": 29}
